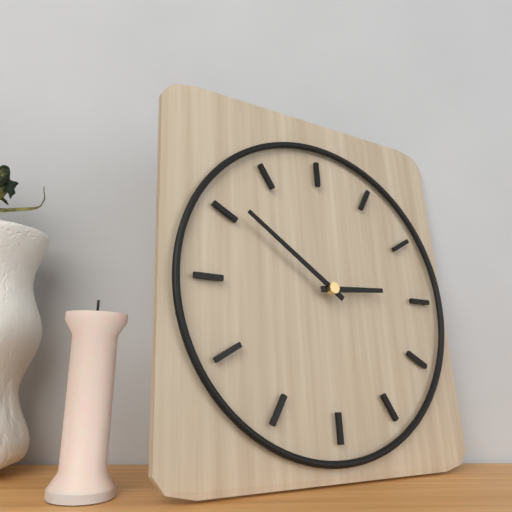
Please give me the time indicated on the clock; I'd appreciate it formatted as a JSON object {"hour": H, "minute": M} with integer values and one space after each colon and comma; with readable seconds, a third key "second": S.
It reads {"hour": 2, "minute": 51}
